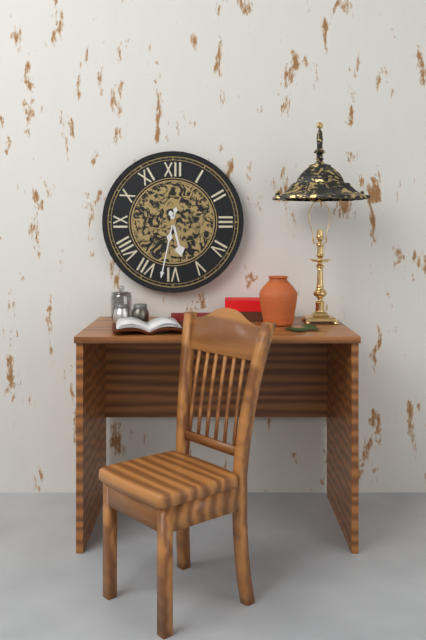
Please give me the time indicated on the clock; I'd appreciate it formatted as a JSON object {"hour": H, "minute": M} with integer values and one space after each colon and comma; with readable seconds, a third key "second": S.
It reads {"hour": 5, "minute": 32}
